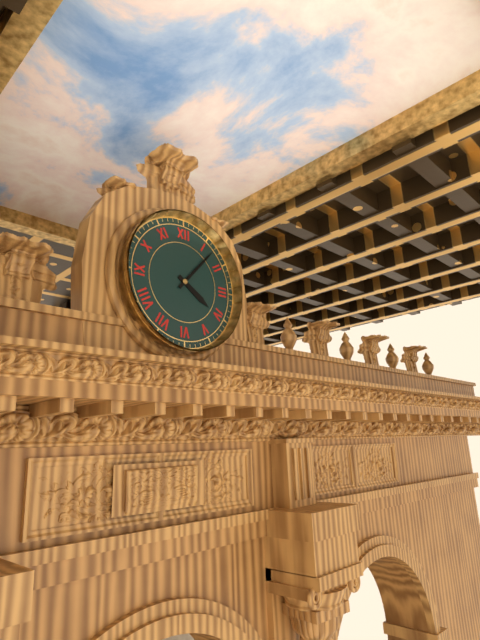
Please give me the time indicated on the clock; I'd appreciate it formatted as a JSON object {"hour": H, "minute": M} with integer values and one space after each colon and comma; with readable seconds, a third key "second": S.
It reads {"hour": 4, "minute": 7}
